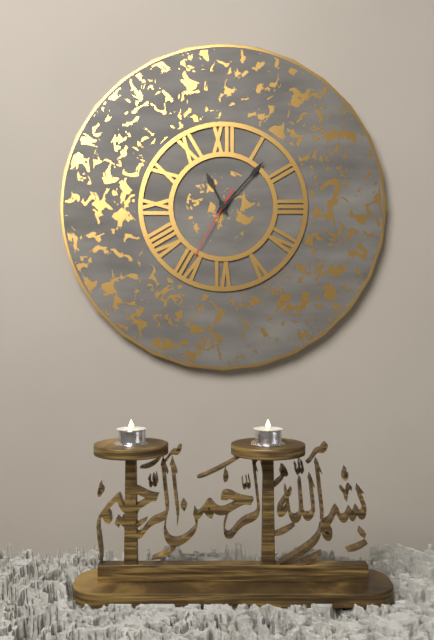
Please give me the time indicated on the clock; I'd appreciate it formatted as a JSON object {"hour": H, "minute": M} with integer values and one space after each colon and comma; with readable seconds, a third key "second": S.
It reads {"hour": 11, "minute": 7, "second": 35}
